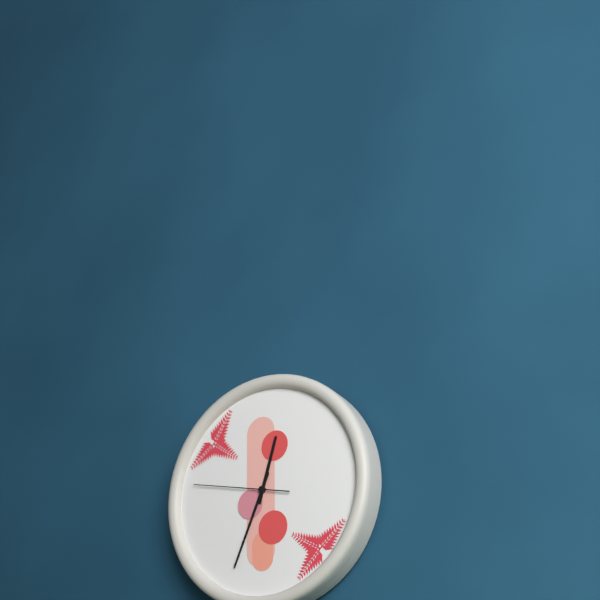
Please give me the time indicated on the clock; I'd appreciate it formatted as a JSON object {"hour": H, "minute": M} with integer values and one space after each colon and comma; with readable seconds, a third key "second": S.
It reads {"hour": 12, "minute": 34, "second": 47}
